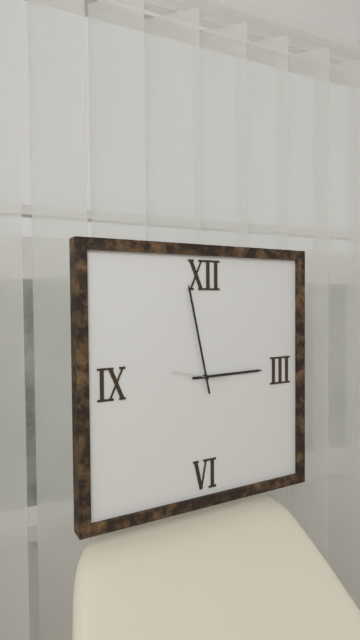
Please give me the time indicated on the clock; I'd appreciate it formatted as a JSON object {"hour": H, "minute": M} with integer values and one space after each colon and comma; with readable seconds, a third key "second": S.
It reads {"hour": 2, "minute": 58}
